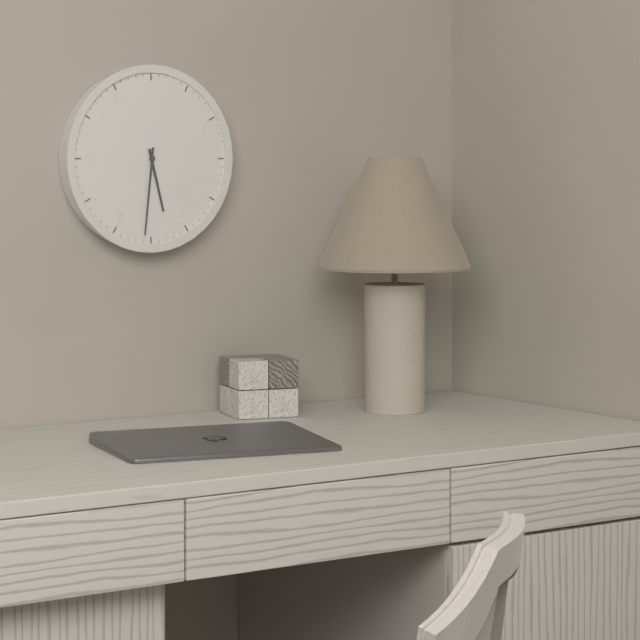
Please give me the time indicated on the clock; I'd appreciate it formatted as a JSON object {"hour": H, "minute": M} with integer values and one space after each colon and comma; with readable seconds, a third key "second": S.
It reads {"hour": 5, "minute": 31}
